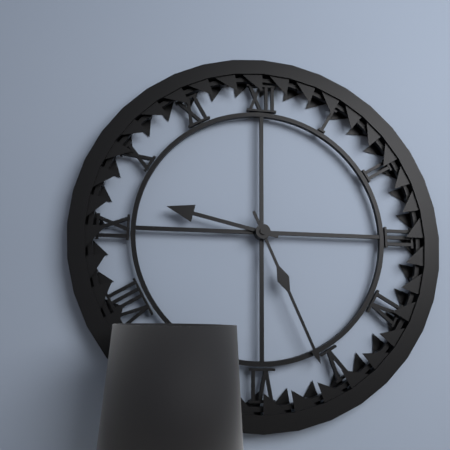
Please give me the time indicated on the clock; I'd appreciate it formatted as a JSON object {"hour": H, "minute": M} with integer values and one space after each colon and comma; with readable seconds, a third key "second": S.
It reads {"hour": 9, "minute": 26}
